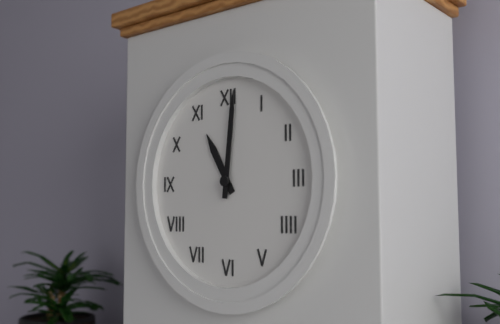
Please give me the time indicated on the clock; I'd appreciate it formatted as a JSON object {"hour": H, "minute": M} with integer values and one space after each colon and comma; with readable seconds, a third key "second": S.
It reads {"hour": 11, "minute": 1}
